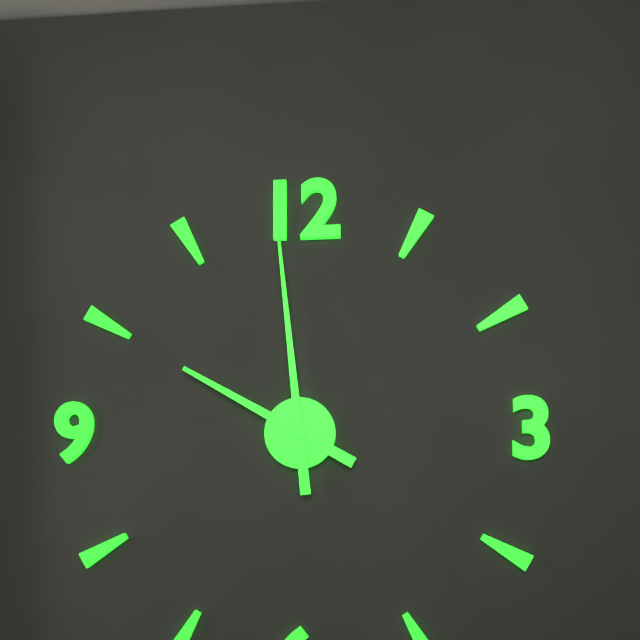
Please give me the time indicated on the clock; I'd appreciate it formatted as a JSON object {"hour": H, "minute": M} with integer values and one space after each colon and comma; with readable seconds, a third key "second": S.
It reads {"hour": 9, "minute": 59}
